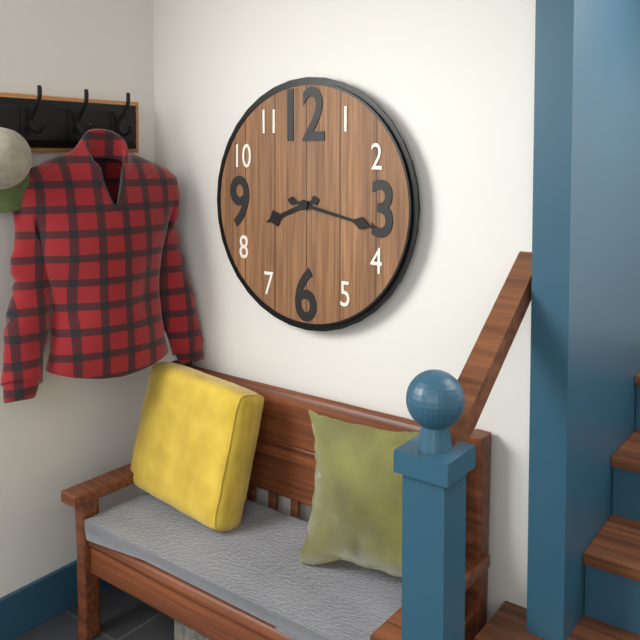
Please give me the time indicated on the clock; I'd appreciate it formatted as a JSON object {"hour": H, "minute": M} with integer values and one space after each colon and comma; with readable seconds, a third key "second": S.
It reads {"hour": 8, "minute": 17}
